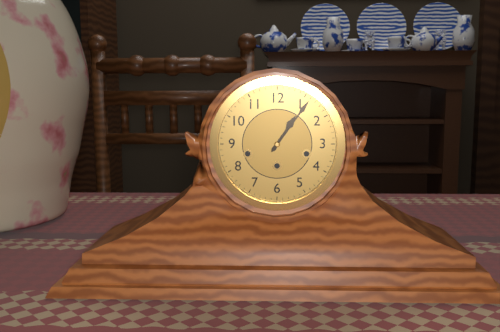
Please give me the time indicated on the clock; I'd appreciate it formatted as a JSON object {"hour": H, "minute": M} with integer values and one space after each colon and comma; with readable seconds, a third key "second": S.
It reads {"hour": 1, "minute": 6}
